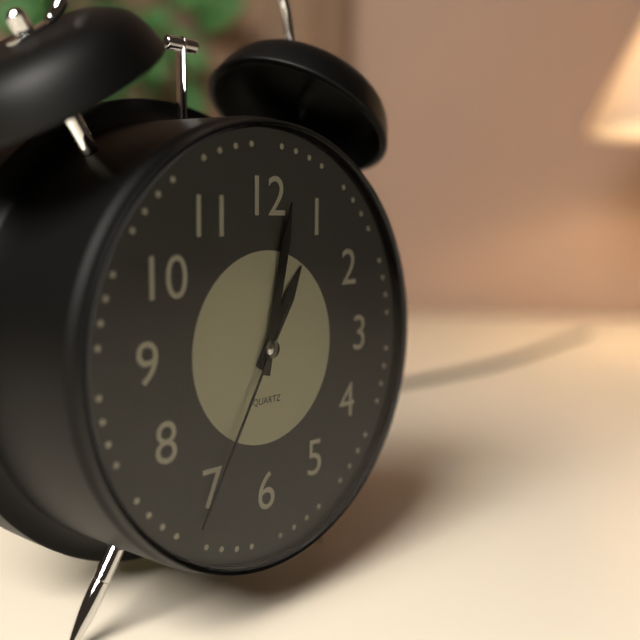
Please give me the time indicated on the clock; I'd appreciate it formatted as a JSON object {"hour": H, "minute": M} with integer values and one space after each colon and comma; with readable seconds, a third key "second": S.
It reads {"hour": 1, "minute": 2, "second": 35}
